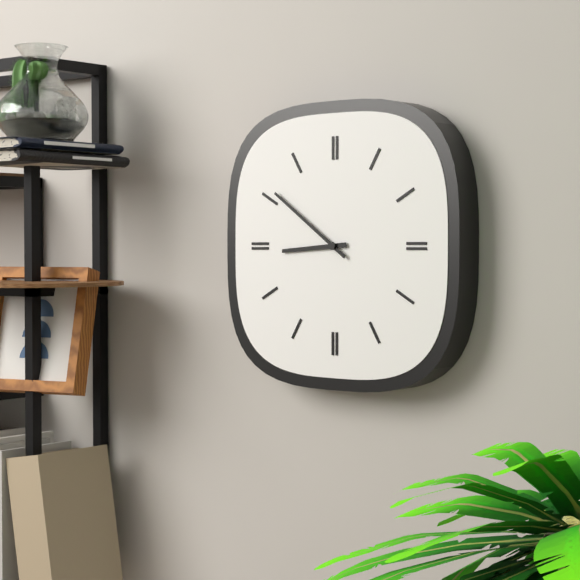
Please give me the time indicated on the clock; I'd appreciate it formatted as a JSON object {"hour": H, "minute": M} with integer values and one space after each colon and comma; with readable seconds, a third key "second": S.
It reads {"hour": 8, "minute": 51}
